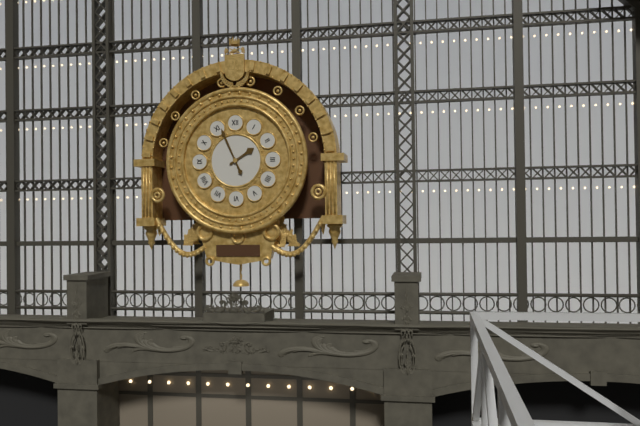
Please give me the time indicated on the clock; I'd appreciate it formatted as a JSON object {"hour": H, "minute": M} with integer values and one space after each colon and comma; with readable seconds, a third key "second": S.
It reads {"hour": 1, "minute": 56}
